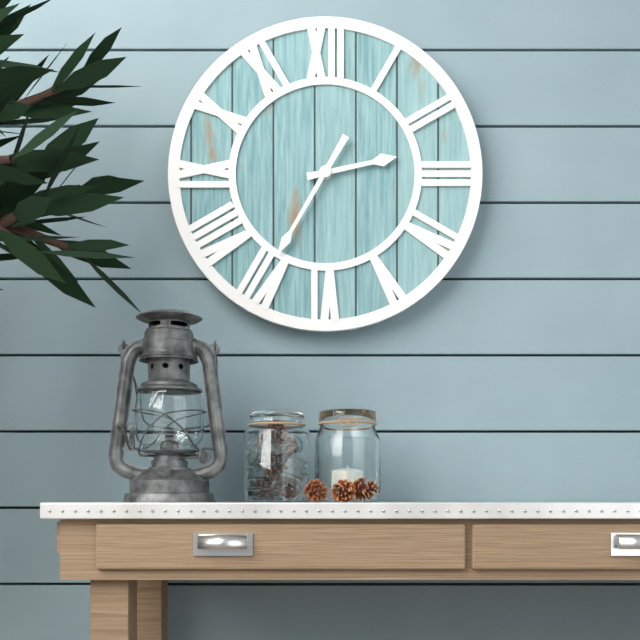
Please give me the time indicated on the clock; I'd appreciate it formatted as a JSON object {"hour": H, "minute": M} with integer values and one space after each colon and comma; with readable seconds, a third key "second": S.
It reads {"hour": 2, "minute": 35}
